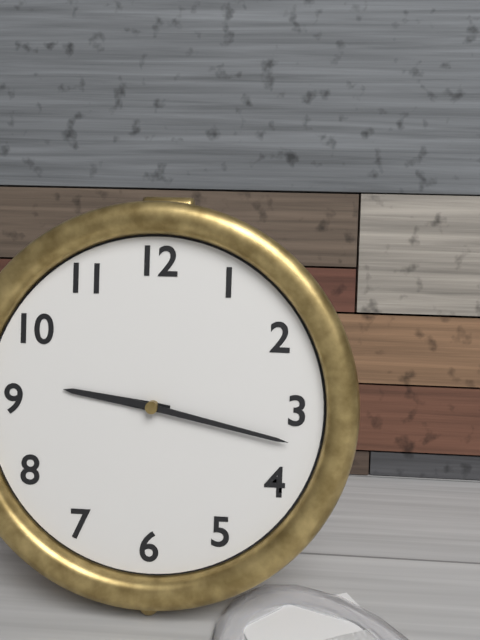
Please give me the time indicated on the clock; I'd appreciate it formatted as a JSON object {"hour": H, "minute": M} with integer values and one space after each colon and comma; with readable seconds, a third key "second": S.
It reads {"hour": 9, "minute": 17}
